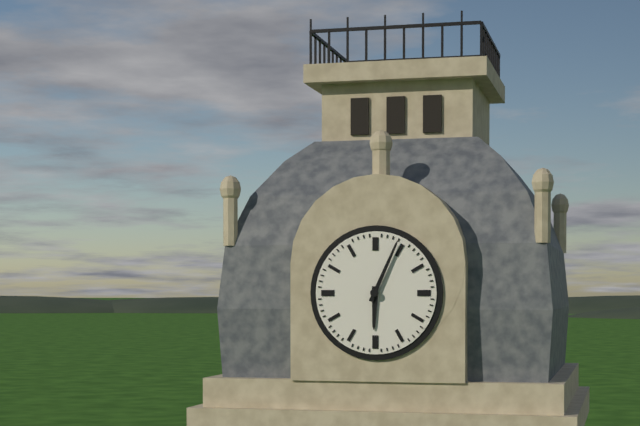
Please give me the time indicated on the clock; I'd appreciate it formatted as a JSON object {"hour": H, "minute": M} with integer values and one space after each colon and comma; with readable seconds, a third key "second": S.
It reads {"hour": 6, "minute": 4}
